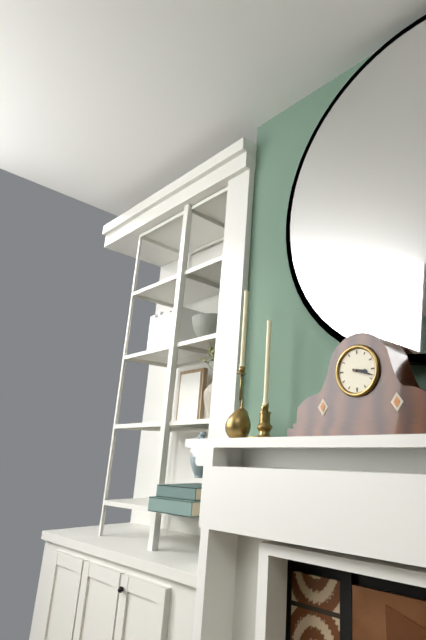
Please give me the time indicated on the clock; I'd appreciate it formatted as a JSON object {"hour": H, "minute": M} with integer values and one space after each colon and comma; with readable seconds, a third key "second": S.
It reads {"hour": 3, "minute": 18}
